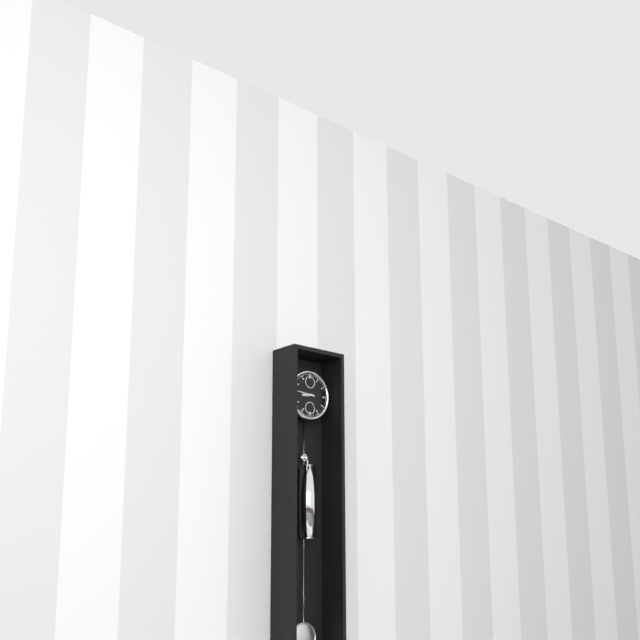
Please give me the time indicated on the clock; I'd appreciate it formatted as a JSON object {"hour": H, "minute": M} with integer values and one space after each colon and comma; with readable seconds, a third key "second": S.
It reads {"hour": 8, "minute": 46}
